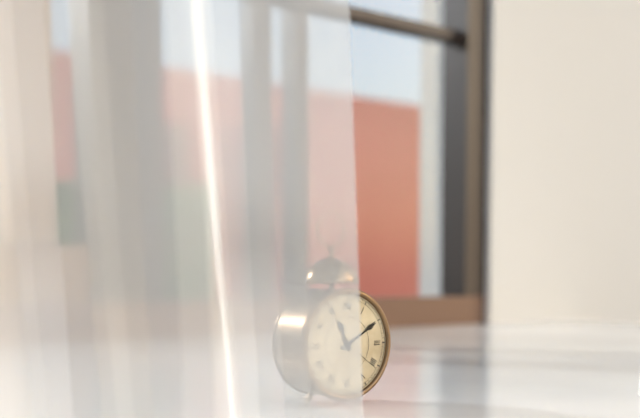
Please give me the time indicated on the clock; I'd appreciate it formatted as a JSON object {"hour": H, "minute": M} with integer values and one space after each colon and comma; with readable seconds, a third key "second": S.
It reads {"hour": 11, "minute": 10}
